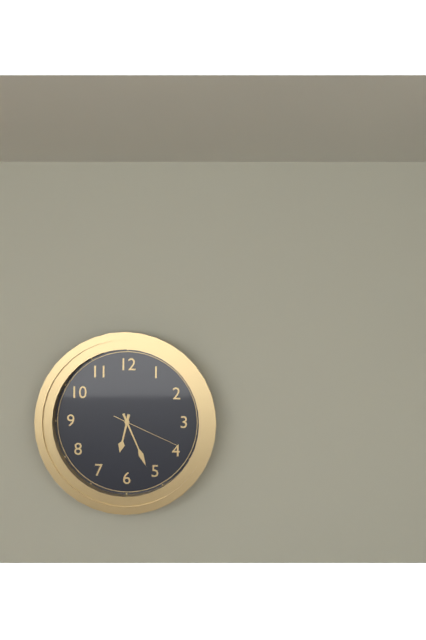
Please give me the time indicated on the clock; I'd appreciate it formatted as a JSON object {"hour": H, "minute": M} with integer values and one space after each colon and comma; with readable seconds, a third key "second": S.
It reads {"hour": 6, "minute": 26, "second": 19}
